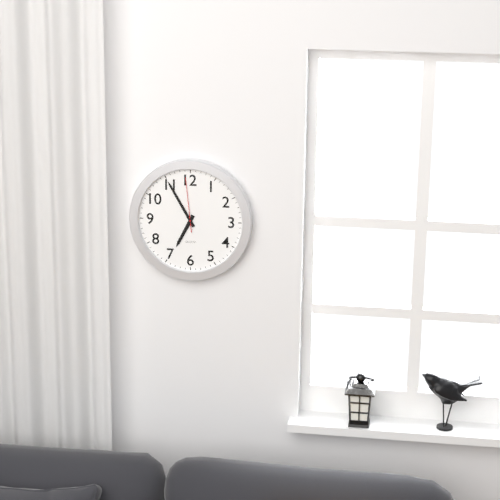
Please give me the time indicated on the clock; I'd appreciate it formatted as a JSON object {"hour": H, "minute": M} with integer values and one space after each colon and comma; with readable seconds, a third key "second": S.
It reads {"hour": 6, "minute": 55, "second": 59}
